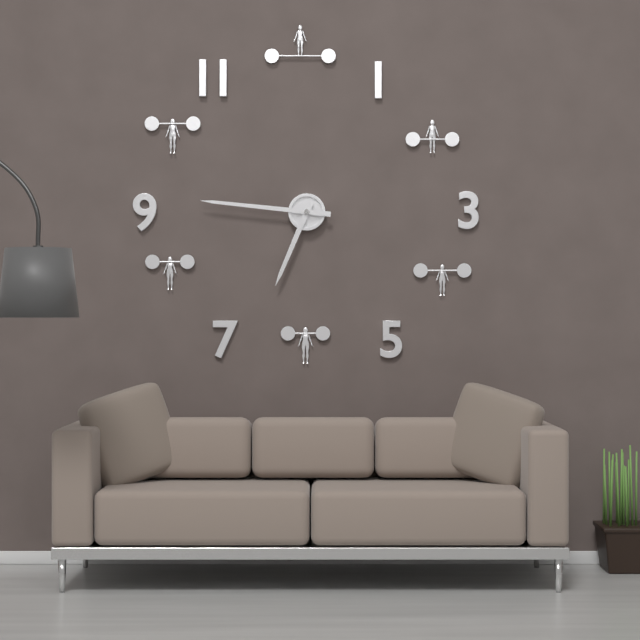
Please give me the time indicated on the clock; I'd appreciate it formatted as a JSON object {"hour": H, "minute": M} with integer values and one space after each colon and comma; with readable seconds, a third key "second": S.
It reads {"hour": 6, "minute": 46}
